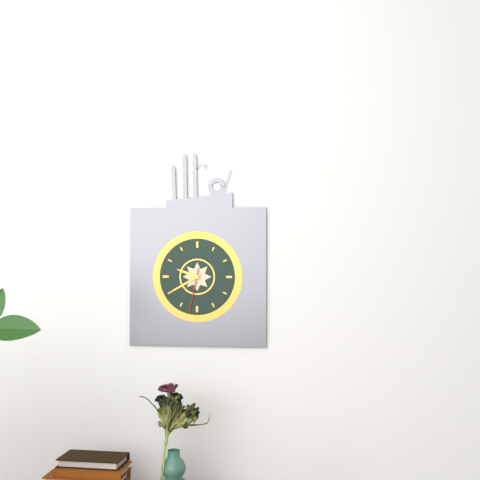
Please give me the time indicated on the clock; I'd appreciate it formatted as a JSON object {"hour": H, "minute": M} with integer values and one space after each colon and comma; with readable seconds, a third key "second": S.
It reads {"hour": 9, "minute": 40}
